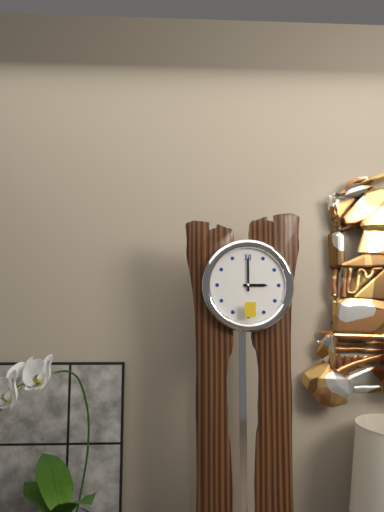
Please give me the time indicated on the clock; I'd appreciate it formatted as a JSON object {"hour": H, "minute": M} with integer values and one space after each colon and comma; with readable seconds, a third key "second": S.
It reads {"hour": 3, "minute": 0}
